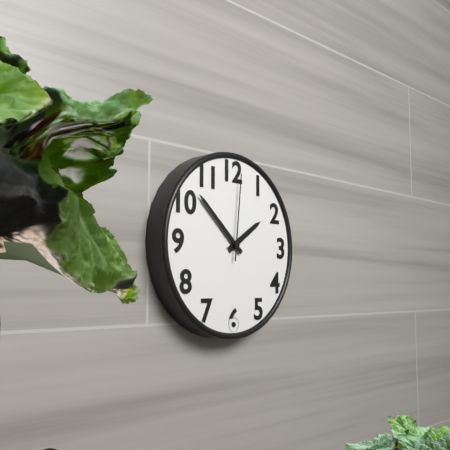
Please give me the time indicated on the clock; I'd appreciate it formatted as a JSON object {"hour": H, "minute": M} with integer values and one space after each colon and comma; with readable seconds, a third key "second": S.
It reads {"hour": 1, "minute": 52, "second": 1}
